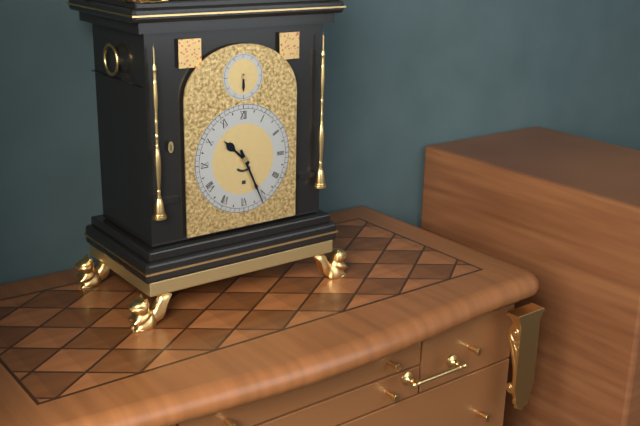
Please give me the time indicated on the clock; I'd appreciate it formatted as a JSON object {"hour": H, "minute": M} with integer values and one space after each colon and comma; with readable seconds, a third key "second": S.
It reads {"hour": 10, "minute": 26}
